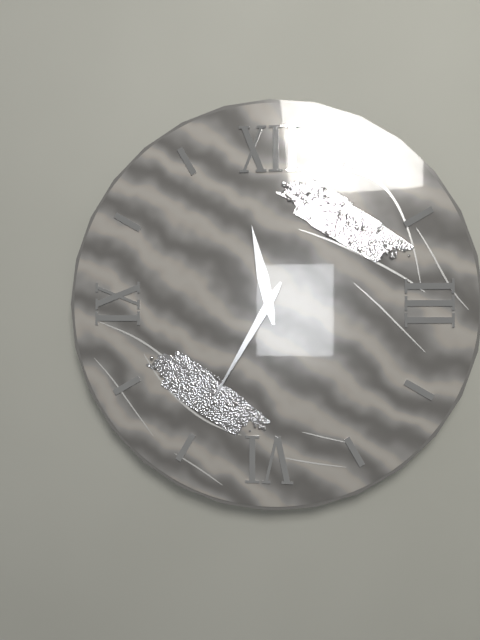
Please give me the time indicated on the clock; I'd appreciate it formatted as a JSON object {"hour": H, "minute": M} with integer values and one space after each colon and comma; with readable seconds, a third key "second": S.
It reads {"hour": 11, "minute": 35}
